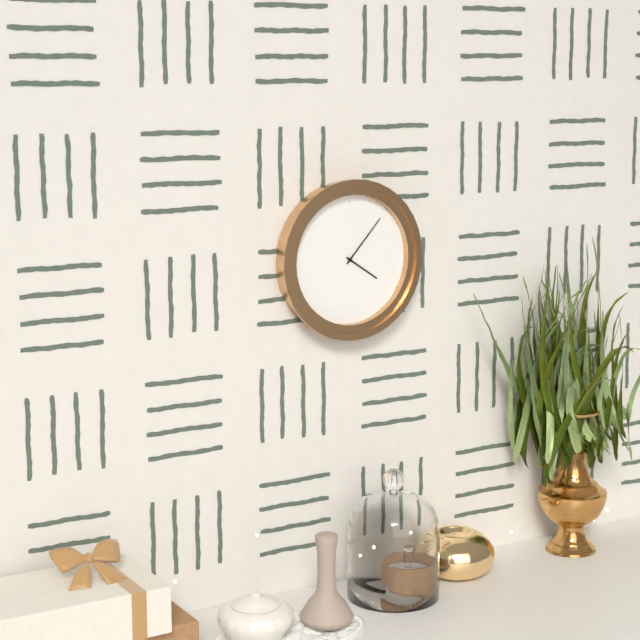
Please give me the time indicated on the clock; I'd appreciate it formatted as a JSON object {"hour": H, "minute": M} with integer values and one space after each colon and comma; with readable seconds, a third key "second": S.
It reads {"hour": 4, "minute": 7}
